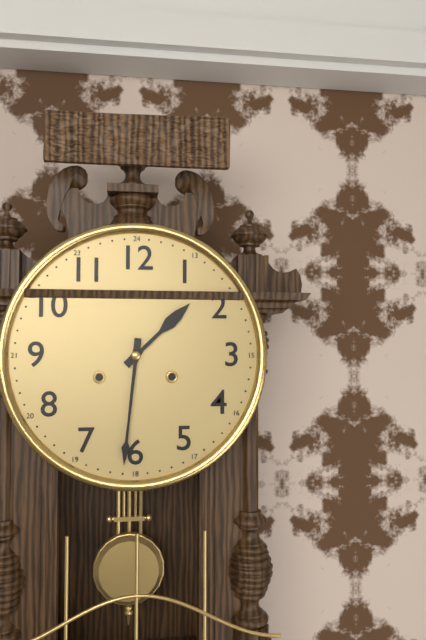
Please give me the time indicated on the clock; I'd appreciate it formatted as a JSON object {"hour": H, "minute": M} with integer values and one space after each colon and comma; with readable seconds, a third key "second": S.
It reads {"hour": 1, "minute": 31}
